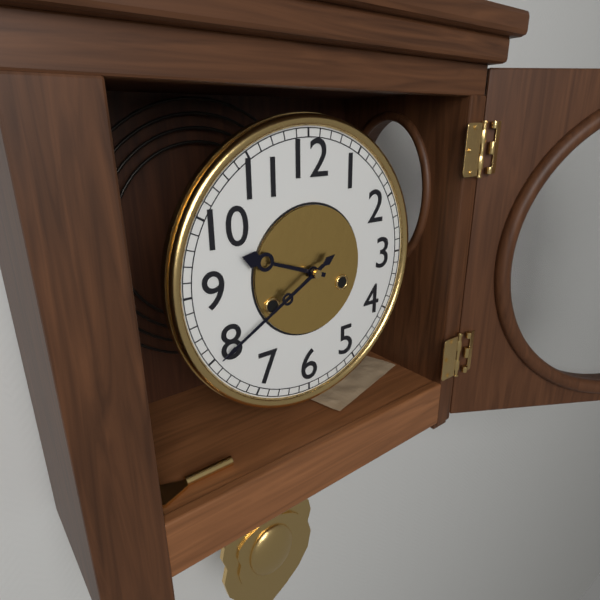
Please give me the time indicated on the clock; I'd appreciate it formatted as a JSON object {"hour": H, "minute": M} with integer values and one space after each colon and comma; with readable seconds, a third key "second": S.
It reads {"hour": 9, "minute": 40}
